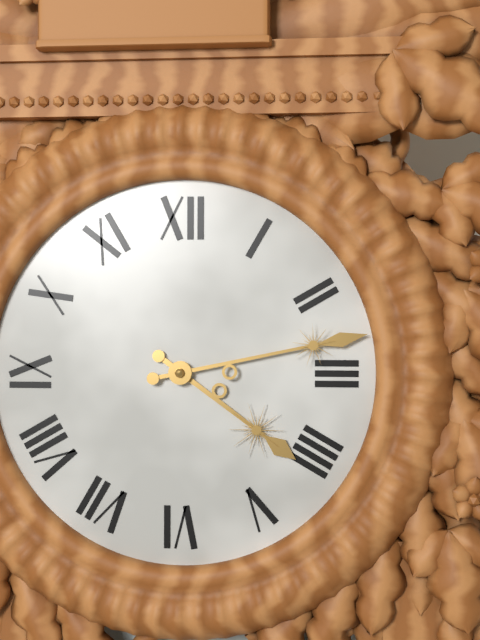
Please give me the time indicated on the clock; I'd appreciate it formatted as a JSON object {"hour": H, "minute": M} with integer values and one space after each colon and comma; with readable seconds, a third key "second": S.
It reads {"hour": 4, "minute": 13}
